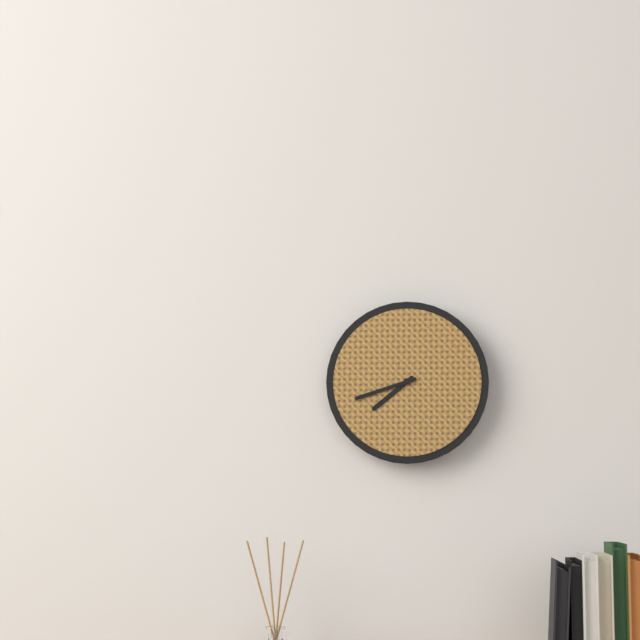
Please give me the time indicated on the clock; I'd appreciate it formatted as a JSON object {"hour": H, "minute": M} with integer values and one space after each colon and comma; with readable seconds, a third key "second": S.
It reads {"hour": 7, "minute": 42}
